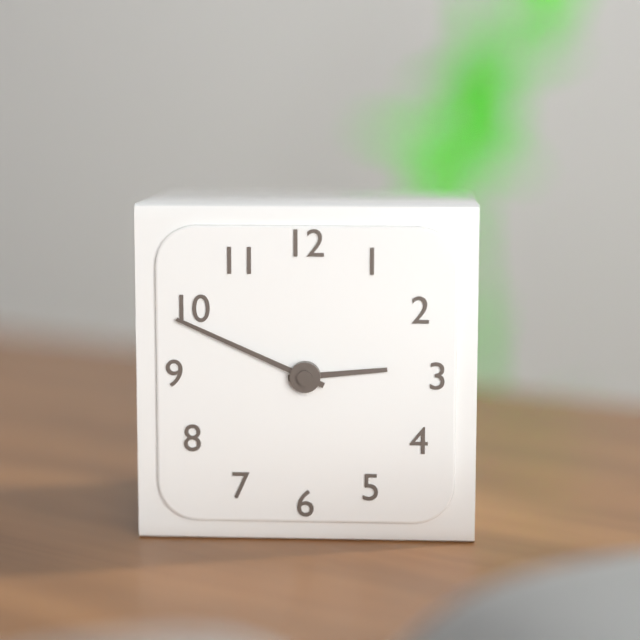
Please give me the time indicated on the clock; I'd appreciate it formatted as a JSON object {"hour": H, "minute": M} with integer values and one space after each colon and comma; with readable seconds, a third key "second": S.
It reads {"hour": 2, "minute": 49}
